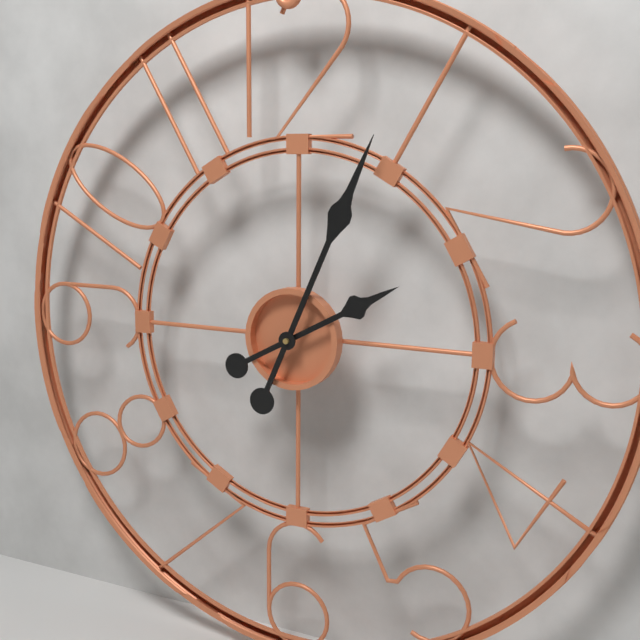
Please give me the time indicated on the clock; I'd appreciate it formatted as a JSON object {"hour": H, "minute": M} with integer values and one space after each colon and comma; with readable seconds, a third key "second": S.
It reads {"hour": 2, "minute": 4}
